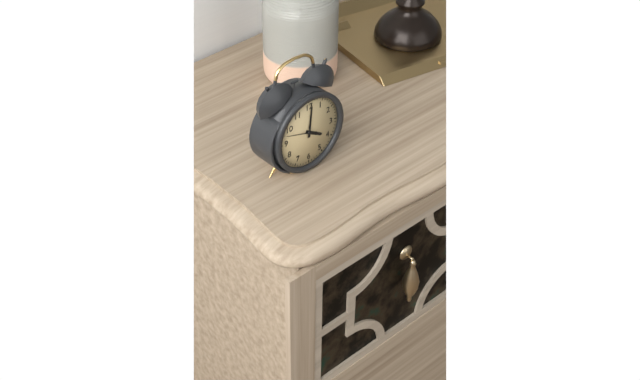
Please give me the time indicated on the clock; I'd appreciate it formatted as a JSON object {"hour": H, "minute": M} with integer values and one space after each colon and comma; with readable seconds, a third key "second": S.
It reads {"hour": 4, "minute": 1}
